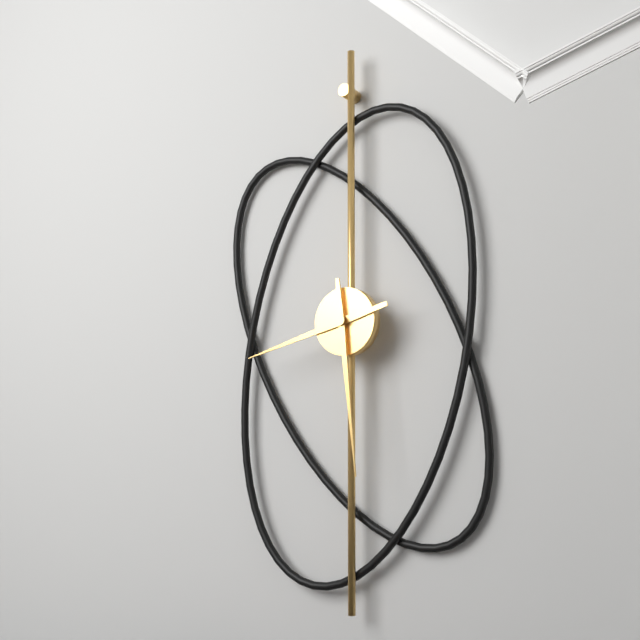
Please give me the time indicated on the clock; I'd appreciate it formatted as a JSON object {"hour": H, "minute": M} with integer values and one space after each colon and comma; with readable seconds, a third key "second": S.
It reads {"hour": 8, "minute": 29}
